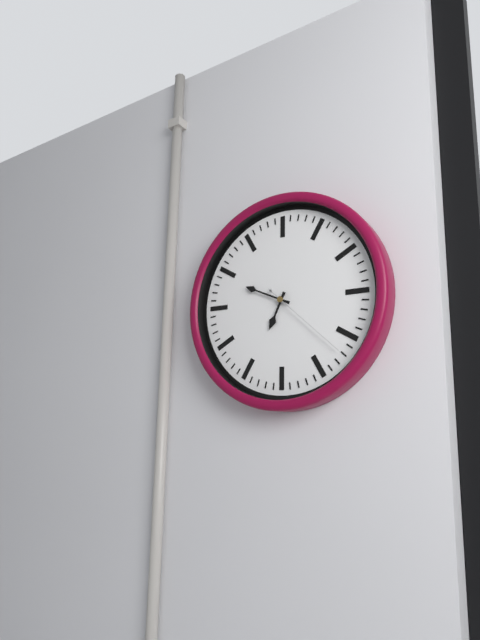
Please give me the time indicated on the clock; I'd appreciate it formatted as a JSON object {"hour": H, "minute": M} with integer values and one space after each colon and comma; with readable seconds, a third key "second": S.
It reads {"hour": 6, "minute": 49, "second": 22}
